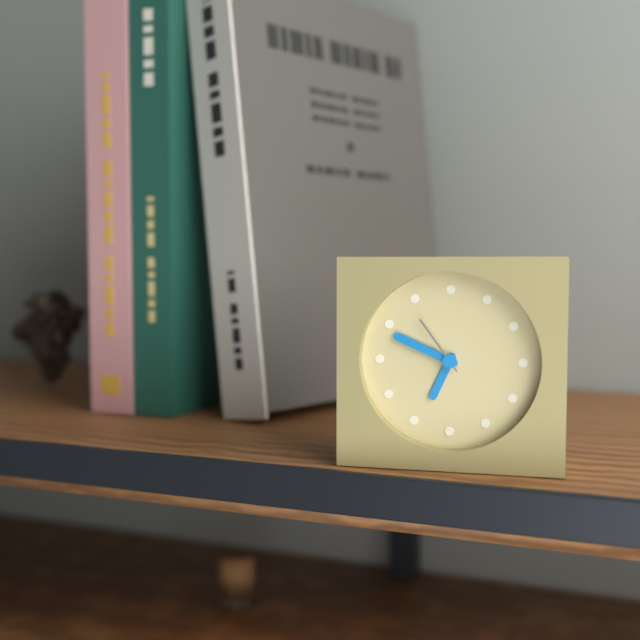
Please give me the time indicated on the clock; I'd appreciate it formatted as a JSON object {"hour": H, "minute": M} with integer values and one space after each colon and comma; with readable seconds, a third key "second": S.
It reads {"hour": 6, "minute": 49, "second": 54}
